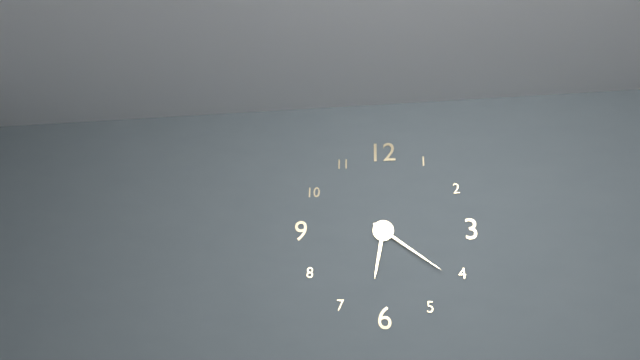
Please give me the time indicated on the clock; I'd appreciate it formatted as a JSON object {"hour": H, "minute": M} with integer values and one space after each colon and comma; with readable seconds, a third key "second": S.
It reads {"hour": 6, "minute": 21}
